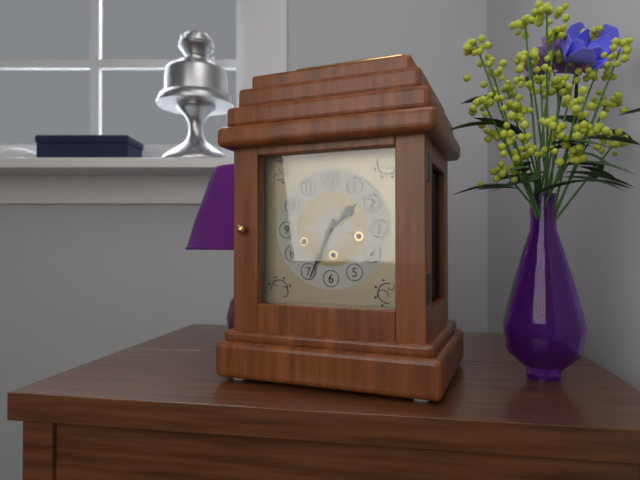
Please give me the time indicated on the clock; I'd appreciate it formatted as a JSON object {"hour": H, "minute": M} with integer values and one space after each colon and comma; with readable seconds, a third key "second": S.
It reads {"hour": 1, "minute": 34}
